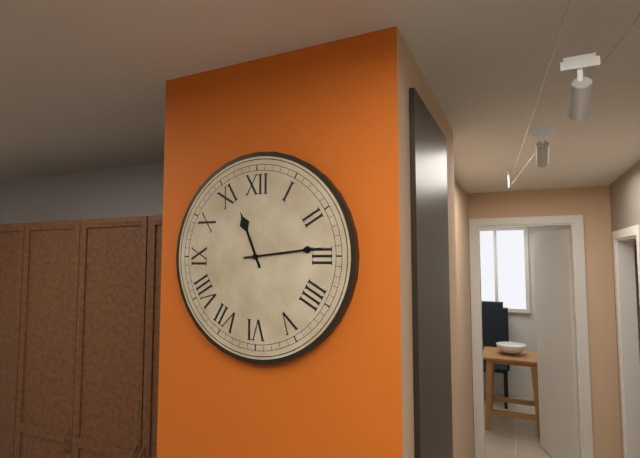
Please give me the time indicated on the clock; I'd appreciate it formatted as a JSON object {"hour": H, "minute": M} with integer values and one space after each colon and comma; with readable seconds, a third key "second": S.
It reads {"hour": 11, "minute": 14}
